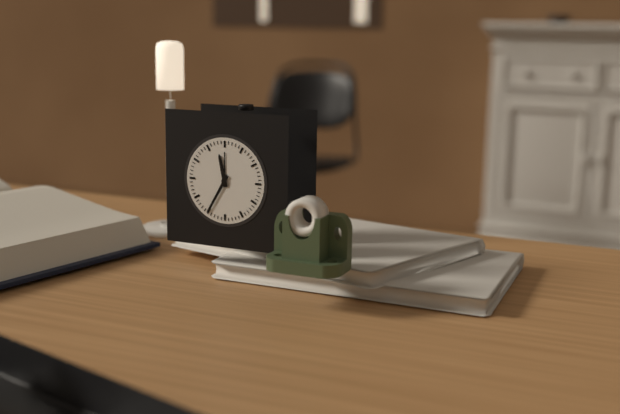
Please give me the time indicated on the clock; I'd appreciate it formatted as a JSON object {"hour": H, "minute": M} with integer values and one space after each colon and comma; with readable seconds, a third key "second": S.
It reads {"hour": 11, "minute": 35}
